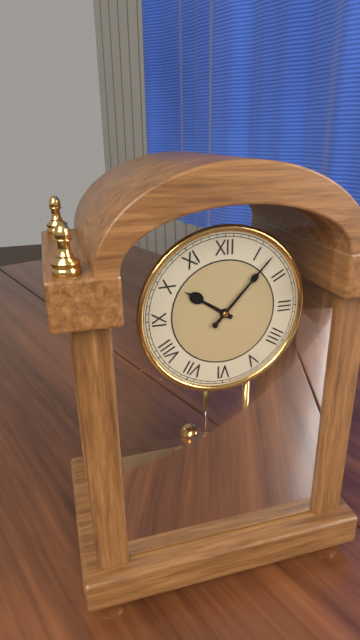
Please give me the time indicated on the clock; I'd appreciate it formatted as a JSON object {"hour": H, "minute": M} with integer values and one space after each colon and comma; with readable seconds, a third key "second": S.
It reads {"hour": 10, "minute": 7}
